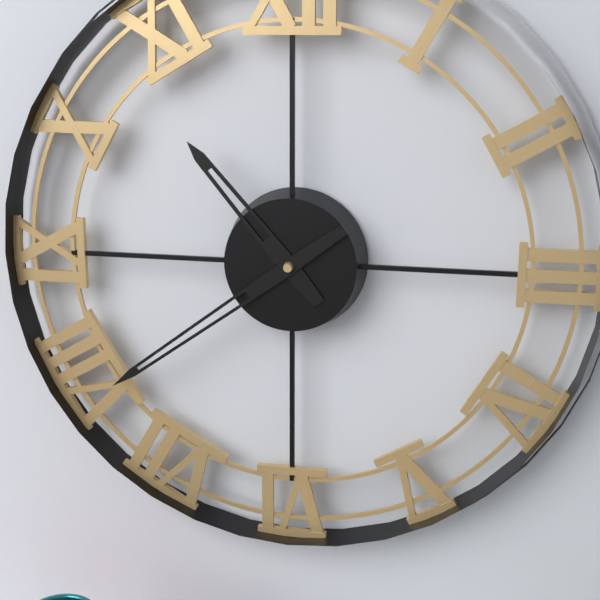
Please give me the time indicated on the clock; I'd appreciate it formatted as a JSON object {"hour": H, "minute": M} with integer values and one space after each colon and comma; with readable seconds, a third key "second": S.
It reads {"hour": 10, "minute": 39}
